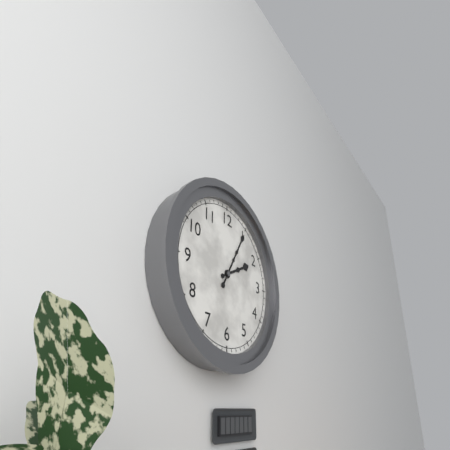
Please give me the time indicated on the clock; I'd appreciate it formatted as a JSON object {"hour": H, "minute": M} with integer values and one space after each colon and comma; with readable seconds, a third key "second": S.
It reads {"hour": 2, "minute": 5}
